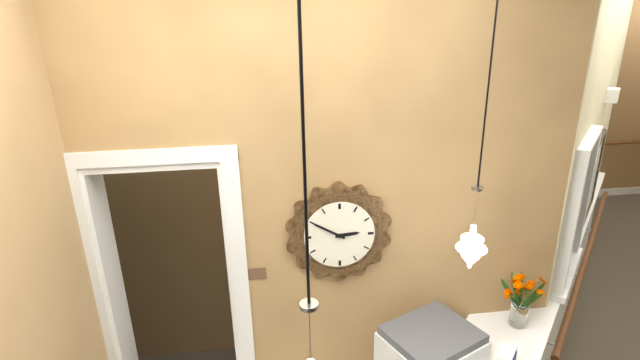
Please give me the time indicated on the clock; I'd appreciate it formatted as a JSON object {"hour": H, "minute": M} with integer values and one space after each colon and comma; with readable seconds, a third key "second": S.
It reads {"hour": 2, "minute": 50}
